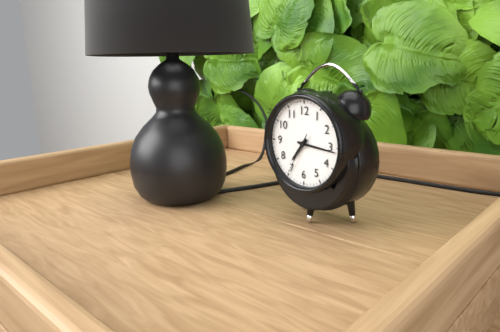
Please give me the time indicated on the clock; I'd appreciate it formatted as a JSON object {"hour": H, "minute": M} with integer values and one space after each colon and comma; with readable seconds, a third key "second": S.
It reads {"hour": 7, "minute": 16}
